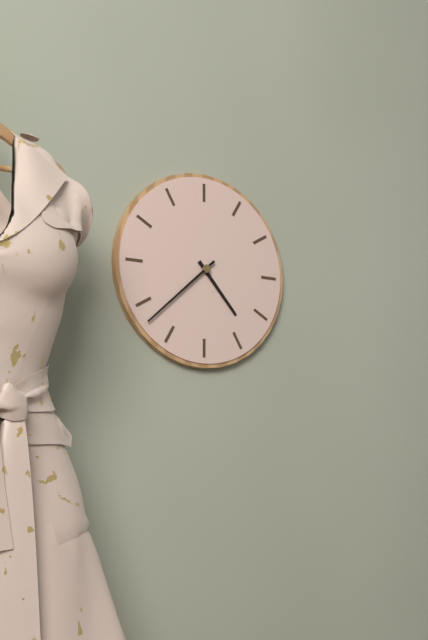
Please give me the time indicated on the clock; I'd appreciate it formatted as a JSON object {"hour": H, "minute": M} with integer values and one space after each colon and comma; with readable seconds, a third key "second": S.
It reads {"hour": 4, "minute": 38}
